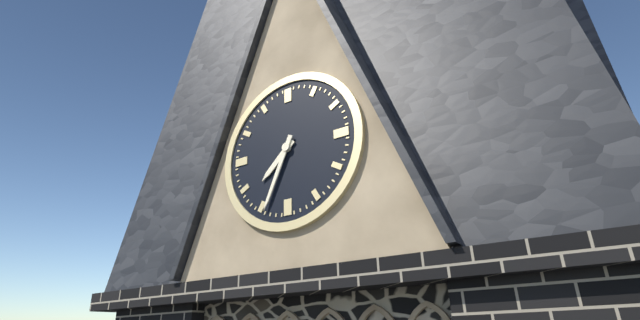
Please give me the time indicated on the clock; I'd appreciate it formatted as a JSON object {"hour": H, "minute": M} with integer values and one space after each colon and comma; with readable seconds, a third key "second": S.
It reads {"hour": 7, "minute": 34}
